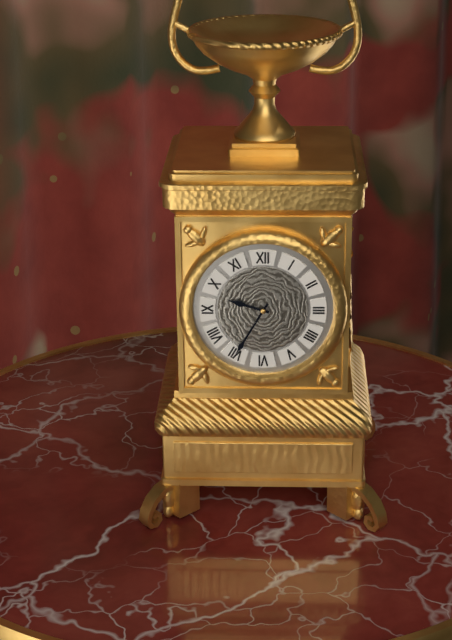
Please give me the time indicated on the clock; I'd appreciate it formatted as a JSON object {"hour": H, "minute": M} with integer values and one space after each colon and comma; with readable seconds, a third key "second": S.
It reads {"hour": 9, "minute": 35}
